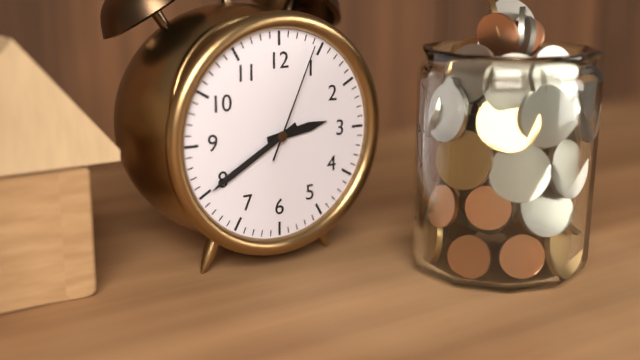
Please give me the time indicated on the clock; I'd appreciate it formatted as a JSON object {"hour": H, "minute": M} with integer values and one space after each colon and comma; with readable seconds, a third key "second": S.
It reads {"hour": 2, "minute": 40, "second": 4}
